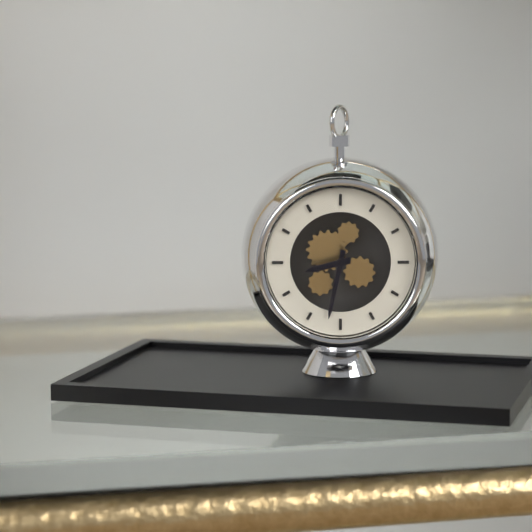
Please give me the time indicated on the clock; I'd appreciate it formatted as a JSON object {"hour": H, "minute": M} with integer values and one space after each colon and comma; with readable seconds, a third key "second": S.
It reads {"hour": 8, "minute": 32}
